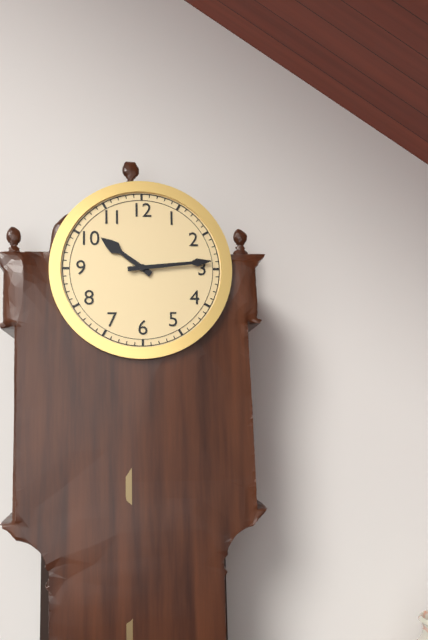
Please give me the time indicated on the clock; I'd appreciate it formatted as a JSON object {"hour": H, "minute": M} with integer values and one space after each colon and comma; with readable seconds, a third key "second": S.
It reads {"hour": 10, "minute": 14}
